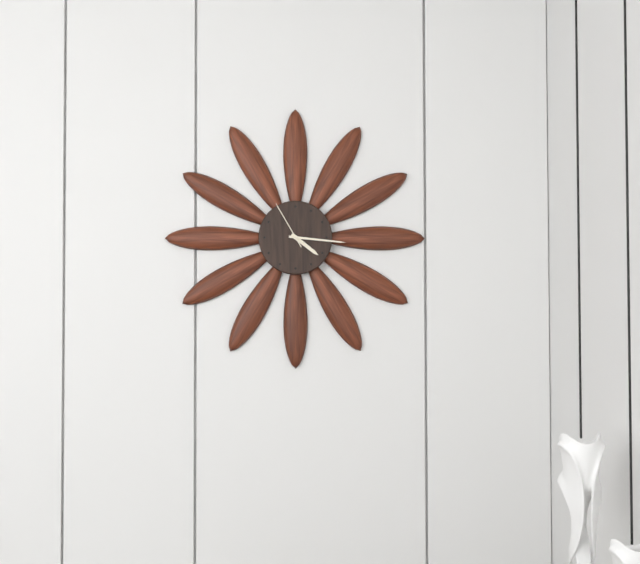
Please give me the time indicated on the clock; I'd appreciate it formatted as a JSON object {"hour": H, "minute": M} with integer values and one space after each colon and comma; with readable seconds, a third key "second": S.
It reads {"hour": 4, "minute": 16, "second": 55}
